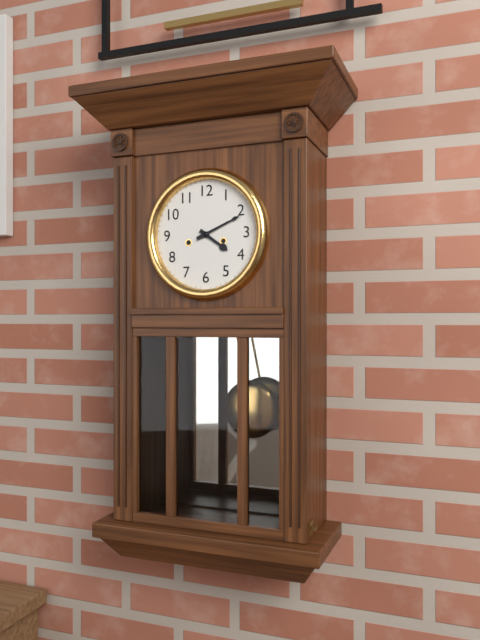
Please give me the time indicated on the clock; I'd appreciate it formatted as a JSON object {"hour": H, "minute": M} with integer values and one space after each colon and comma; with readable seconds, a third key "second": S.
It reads {"hour": 4, "minute": 11}
